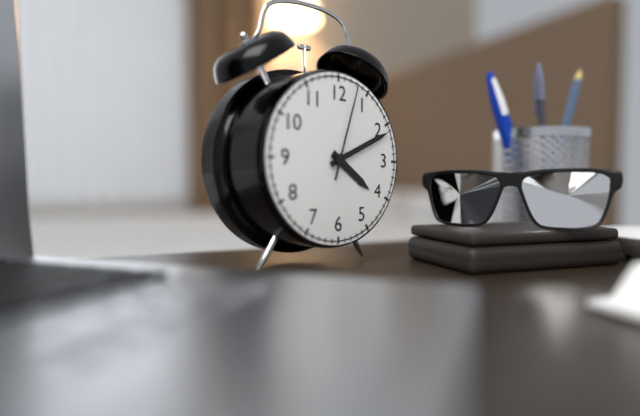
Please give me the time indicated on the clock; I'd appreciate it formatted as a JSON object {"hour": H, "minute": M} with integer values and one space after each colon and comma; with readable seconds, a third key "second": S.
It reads {"hour": 4, "minute": 11, "second": 3}
